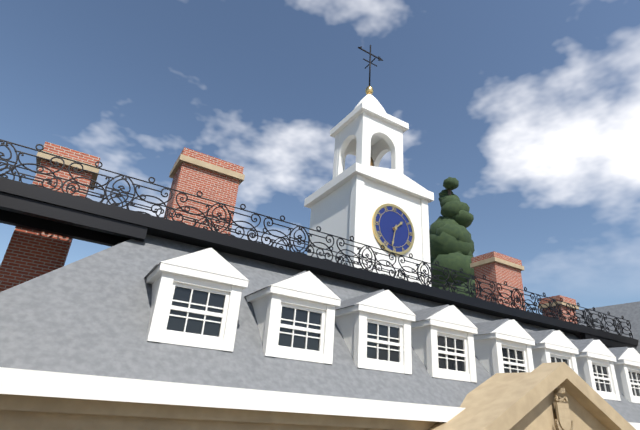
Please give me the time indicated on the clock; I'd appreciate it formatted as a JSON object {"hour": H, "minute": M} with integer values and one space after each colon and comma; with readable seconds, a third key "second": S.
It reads {"hour": 1, "minute": 32}
